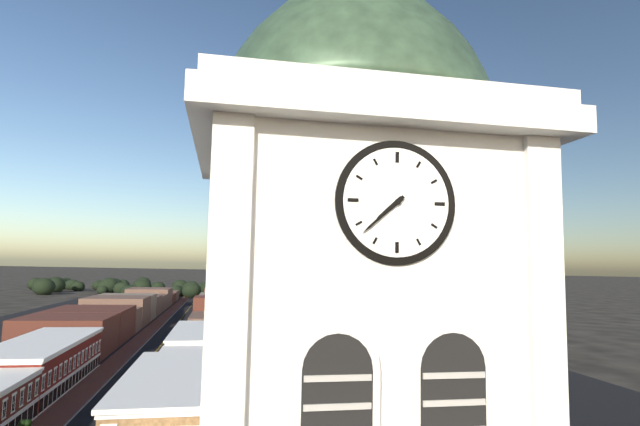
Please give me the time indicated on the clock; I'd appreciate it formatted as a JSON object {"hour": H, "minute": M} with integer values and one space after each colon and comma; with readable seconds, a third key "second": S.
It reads {"hour": 7, "minute": 38}
